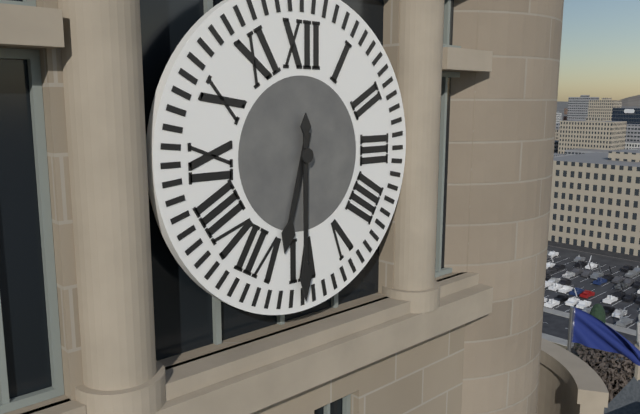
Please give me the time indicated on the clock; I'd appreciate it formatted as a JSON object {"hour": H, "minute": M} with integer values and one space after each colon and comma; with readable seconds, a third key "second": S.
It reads {"hour": 6, "minute": 30}
